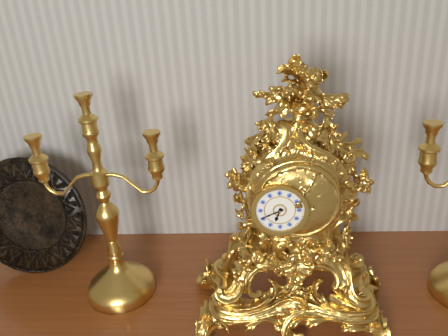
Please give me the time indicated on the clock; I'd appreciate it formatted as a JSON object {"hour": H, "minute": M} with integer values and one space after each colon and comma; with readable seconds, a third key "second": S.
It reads {"hour": 6, "minute": 41}
